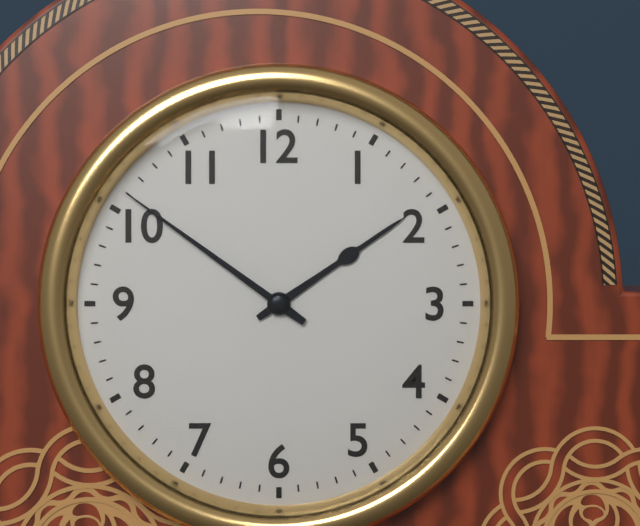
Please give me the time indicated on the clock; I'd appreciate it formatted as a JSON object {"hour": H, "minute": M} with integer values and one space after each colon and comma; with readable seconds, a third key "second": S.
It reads {"hour": 1, "minute": 51}
